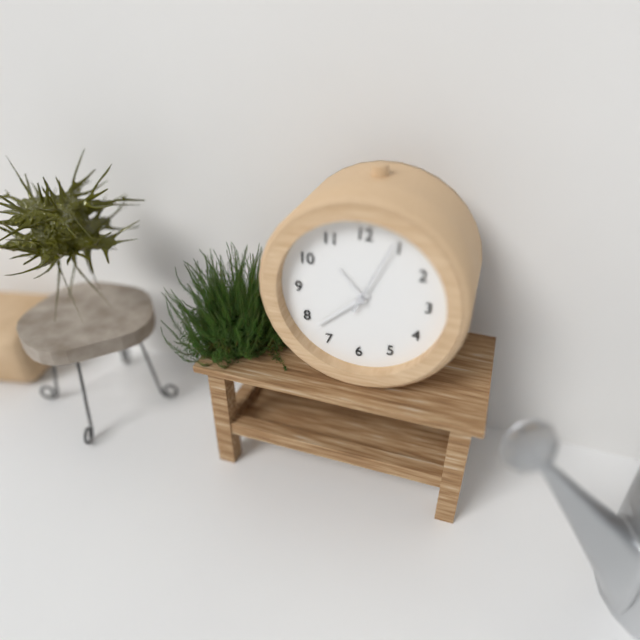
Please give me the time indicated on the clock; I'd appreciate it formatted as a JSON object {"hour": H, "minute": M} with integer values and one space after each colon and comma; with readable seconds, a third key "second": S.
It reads {"hour": 10, "minute": 38, "second": 4}
